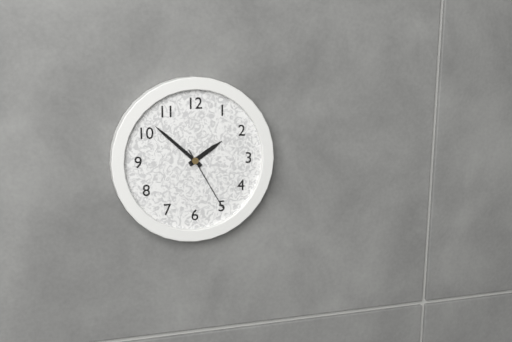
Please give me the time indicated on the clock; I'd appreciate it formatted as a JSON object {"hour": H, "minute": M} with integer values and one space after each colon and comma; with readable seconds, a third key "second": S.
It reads {"hour": 1, "minute": 52, "second": 25}
